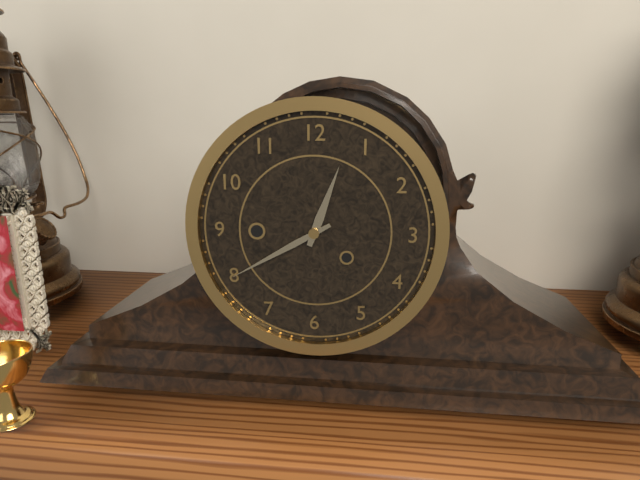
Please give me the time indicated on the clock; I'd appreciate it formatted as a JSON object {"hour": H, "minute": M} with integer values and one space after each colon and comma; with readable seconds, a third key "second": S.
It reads {"hour": 12, "minute": 40}
